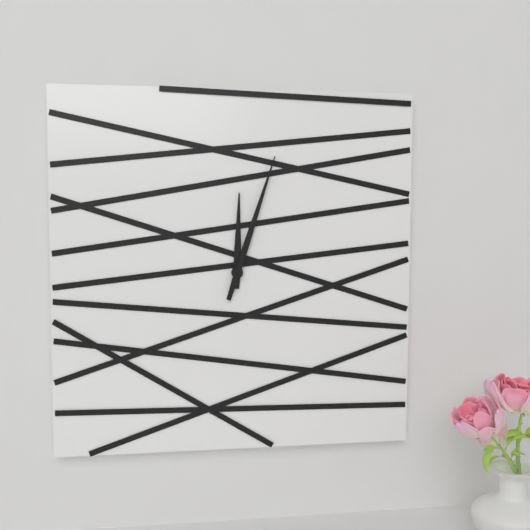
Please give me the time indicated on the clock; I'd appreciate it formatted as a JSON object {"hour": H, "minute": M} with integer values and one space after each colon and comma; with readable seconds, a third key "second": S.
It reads {"hour": 12, "minute": 3}
